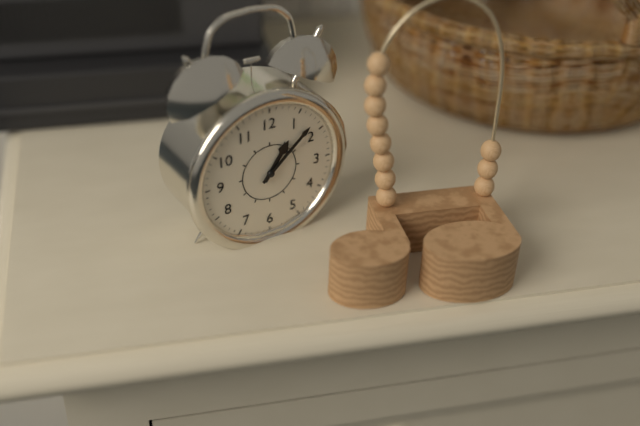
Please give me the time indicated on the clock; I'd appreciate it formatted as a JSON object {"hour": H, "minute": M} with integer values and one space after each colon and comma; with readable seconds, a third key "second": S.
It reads {"hour": 1, "minute": 8}
